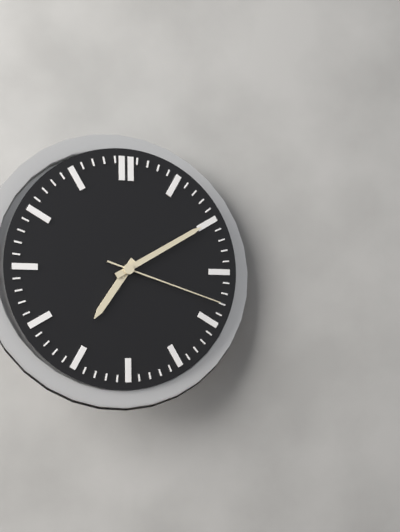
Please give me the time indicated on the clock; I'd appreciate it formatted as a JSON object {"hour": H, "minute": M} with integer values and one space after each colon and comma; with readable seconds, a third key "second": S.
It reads {"hour": 7, "minute": 10, "second": 18}
